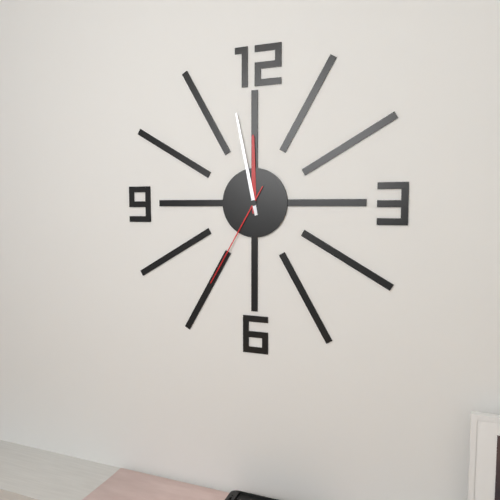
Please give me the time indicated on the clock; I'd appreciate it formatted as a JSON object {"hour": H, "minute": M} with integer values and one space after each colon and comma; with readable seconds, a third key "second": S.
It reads {"hour": 11, "minute": 58, "second": 35}
